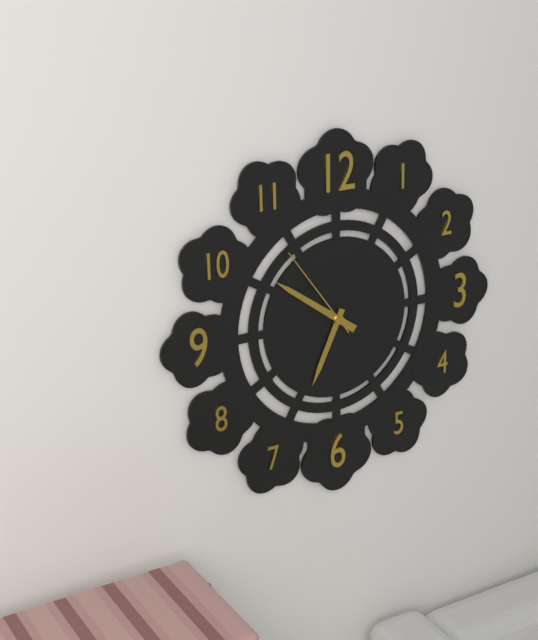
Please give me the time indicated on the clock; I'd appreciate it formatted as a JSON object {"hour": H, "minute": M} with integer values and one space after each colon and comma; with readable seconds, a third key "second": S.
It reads {"hour": 6, "minute": 51, "second": 54}
